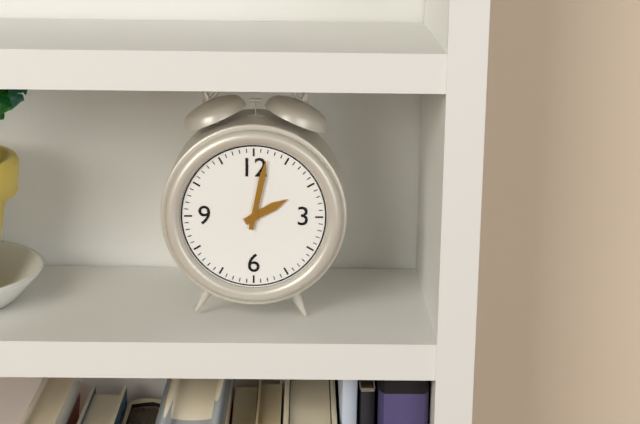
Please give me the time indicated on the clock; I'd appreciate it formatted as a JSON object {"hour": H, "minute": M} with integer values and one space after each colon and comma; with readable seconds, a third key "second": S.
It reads {"hour": 2, "minute": 2}
